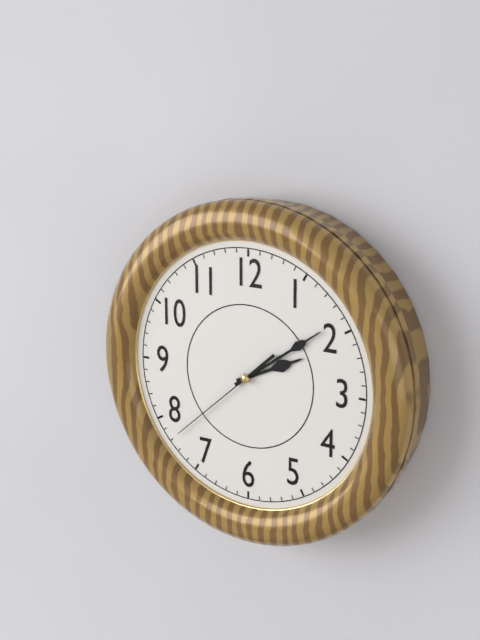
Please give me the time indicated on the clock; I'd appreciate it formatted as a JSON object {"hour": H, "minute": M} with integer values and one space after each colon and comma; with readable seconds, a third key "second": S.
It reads {"hour": 2, "minute": 9, "second": 38}
